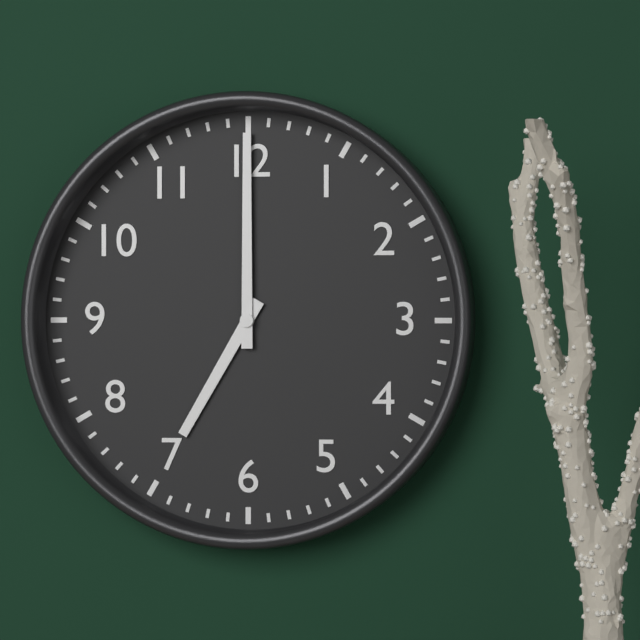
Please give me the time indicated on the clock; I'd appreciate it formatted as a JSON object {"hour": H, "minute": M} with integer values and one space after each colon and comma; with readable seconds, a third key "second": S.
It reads {"hour": 7, "minute": 0}
